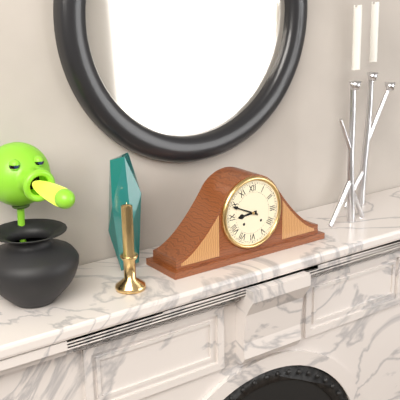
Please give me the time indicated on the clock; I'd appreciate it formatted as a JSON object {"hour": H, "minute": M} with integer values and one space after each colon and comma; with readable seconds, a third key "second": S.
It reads {"hour": 8, "minute": 49}
